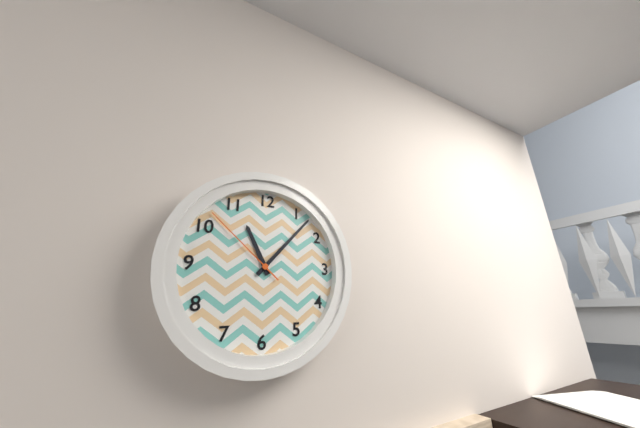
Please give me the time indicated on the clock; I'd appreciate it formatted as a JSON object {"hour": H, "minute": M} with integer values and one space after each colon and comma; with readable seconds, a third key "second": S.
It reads {"hour": 11, "minute": 7, "second": 52}
